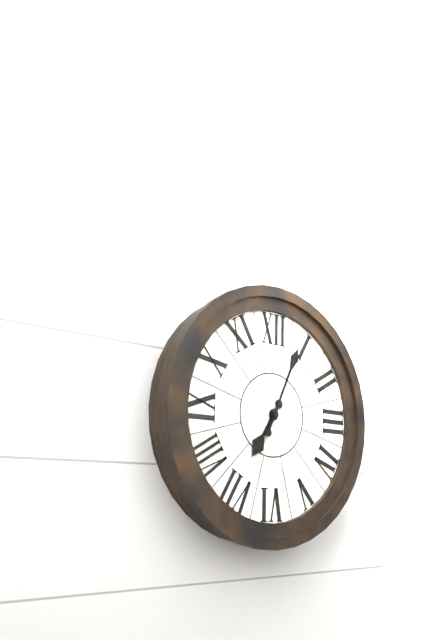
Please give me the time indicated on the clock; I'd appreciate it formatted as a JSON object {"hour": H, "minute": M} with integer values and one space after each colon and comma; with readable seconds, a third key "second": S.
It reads {"hour": 7, "minute": 4}
